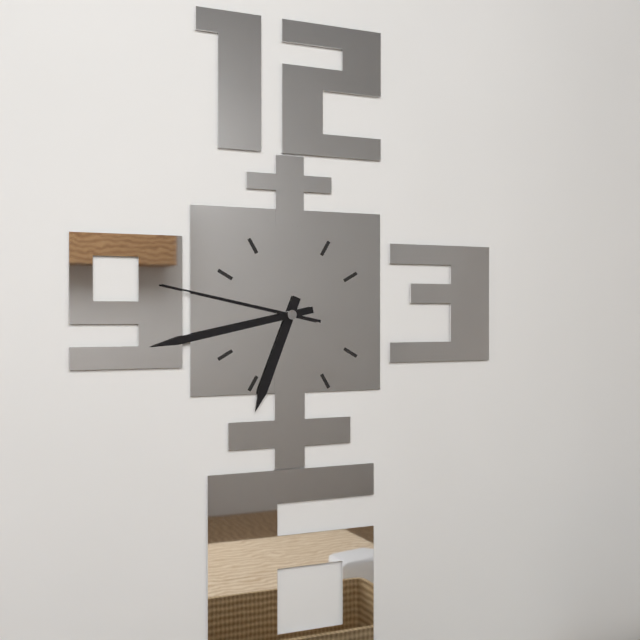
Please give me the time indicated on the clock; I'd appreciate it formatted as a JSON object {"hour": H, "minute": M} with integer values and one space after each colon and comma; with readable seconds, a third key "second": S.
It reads {"hour": 6, "minute": 43, "second": 47}
